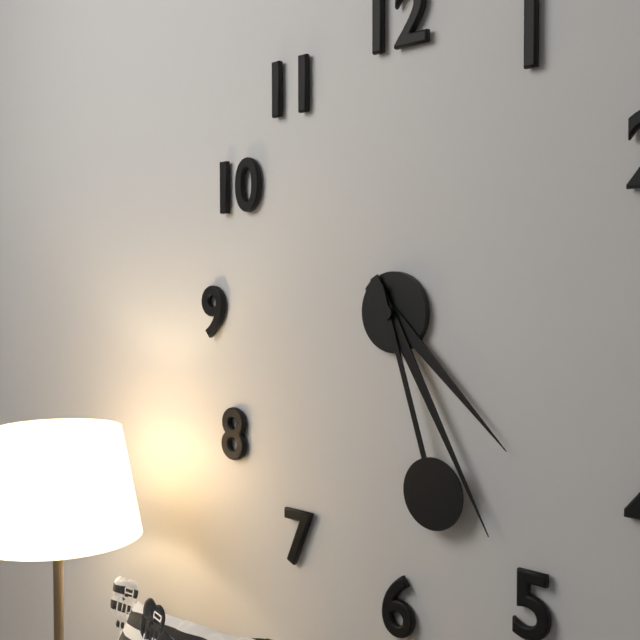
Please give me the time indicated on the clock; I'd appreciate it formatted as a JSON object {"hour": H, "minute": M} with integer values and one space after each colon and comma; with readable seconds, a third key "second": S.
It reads {"hour": 4, "minute": 25, "second": 27}
